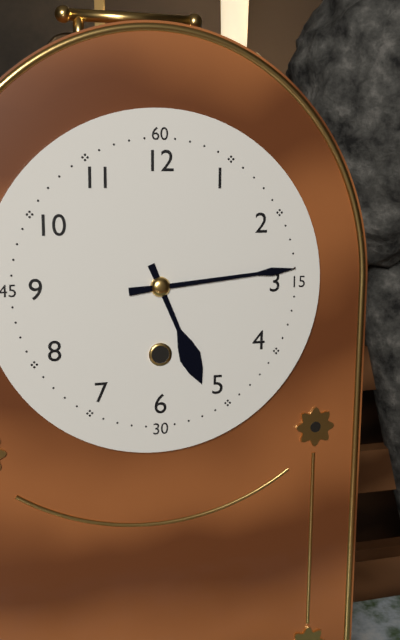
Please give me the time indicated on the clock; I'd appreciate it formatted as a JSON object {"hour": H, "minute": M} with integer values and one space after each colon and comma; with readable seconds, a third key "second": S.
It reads {"hour": 5, "minute": 14}
